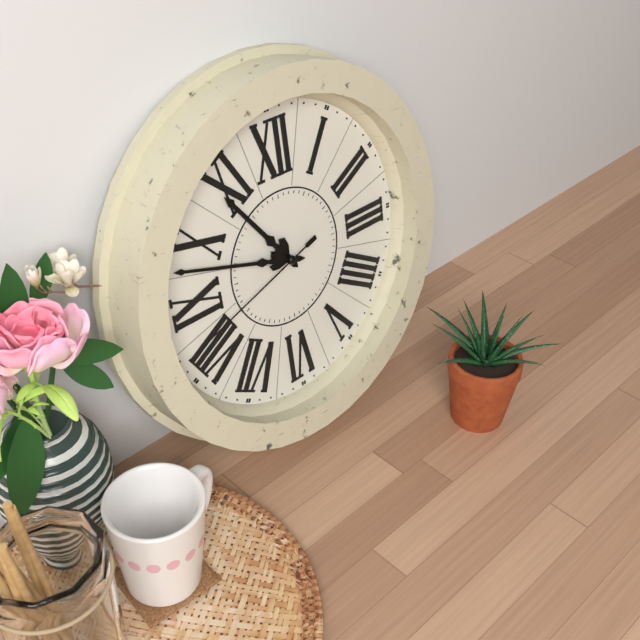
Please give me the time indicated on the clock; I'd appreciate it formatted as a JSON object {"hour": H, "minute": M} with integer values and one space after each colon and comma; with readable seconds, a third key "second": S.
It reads {"hour": 10, "minute": 48, "second": 42}
